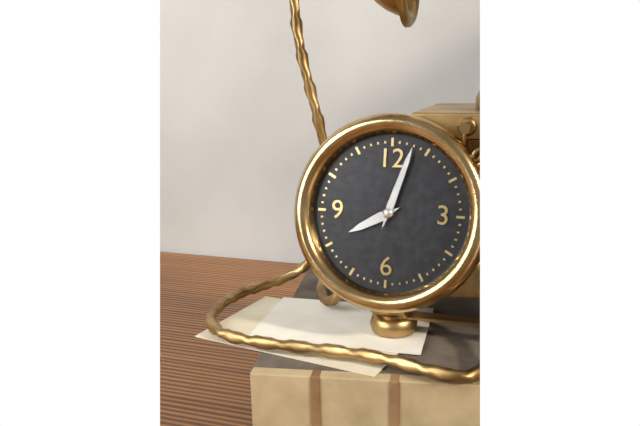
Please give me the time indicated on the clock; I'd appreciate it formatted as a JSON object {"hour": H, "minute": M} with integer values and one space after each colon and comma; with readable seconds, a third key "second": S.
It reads {"hour": 8, "minute": 3}
